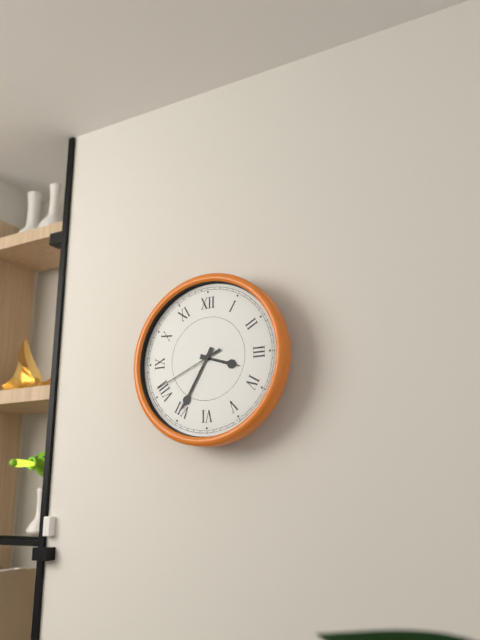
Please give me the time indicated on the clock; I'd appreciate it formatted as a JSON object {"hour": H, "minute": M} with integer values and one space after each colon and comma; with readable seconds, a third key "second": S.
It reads {"hour": 3, "minute": 35, "second": 41}
